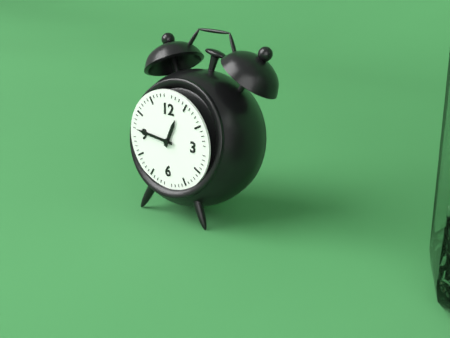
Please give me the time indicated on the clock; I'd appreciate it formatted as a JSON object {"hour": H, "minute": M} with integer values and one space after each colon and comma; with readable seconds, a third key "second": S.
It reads {"hour": 12, "minute": 46}
